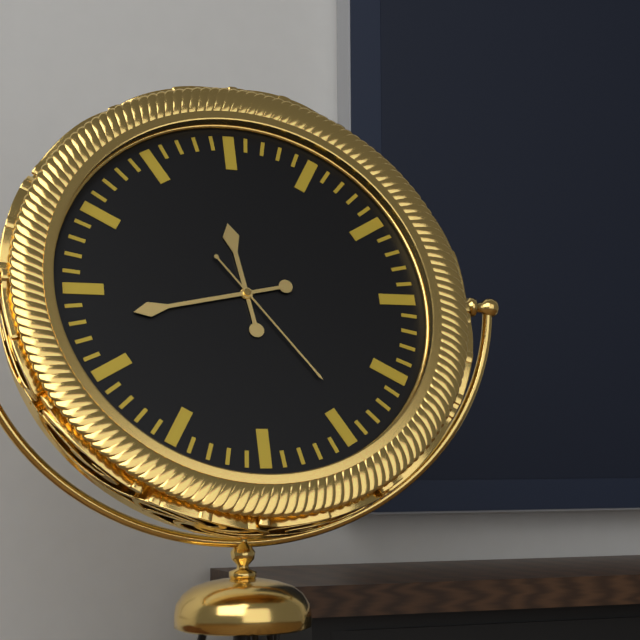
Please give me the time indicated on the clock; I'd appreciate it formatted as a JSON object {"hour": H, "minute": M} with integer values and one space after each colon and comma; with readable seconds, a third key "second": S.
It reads {"hour": 11, "minute": 43, "second": 24}
